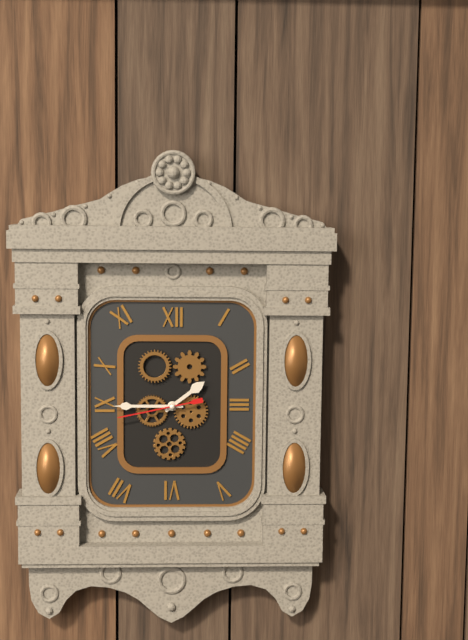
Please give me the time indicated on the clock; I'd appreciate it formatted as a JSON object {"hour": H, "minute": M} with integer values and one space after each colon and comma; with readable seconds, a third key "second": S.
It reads {"hour": 1, "minute": 45, "second": 43}
